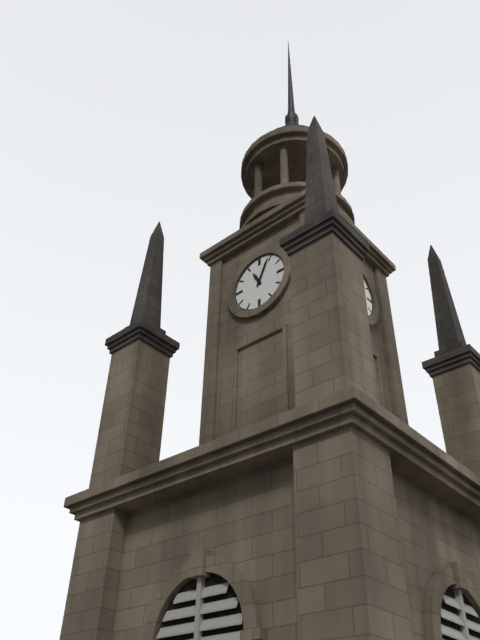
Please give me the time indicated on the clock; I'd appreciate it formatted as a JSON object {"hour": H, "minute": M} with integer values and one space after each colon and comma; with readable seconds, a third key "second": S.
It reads {"hour": 11, "minute": 4}
